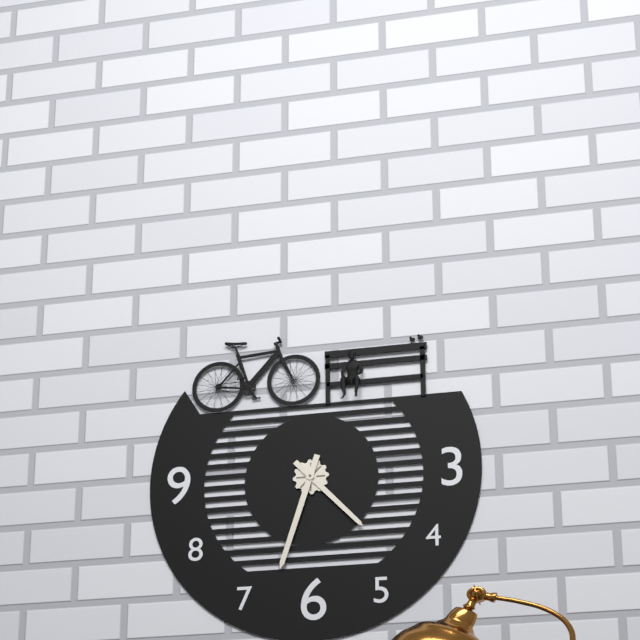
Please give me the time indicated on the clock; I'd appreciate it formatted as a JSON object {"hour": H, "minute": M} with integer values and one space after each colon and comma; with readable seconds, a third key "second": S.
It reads {"hour": 4, "minute": 33}
